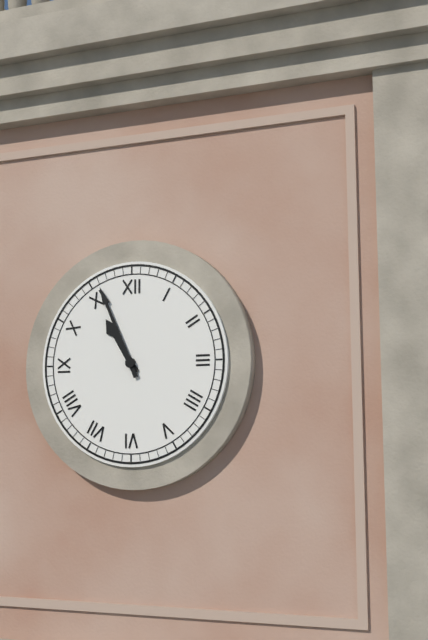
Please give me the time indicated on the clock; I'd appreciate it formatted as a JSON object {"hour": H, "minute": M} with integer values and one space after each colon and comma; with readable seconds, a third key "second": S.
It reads {"hour": 10, "minute": 56}
